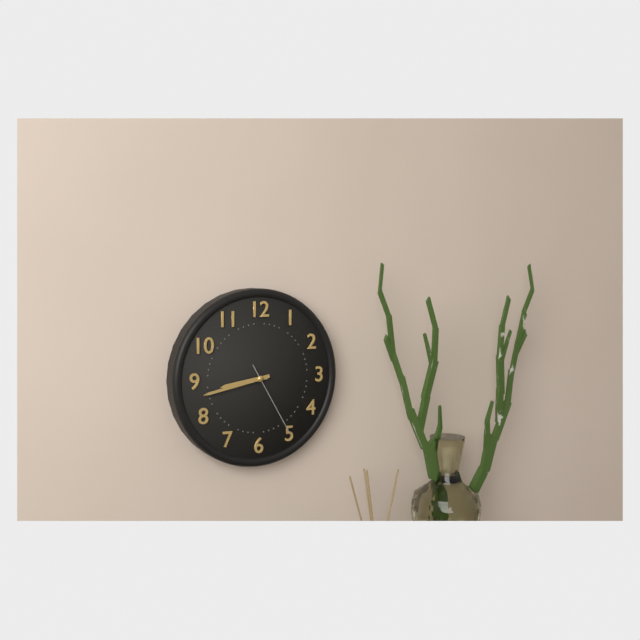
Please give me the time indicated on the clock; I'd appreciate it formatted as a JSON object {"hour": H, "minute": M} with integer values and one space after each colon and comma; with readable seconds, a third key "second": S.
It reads {"hour": 8, "minute": 43, "second": 25}
